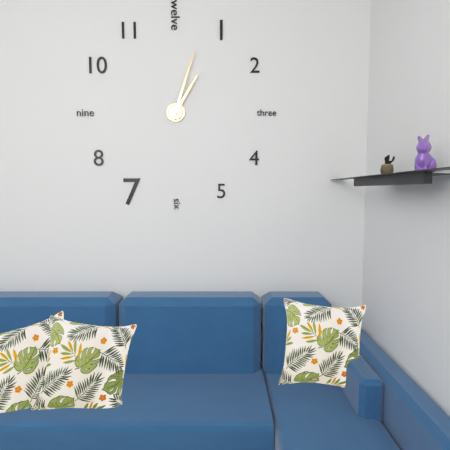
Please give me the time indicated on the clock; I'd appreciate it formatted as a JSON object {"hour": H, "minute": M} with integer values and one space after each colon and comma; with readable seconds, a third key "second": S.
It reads {"hour": 1, "minute": 3}
